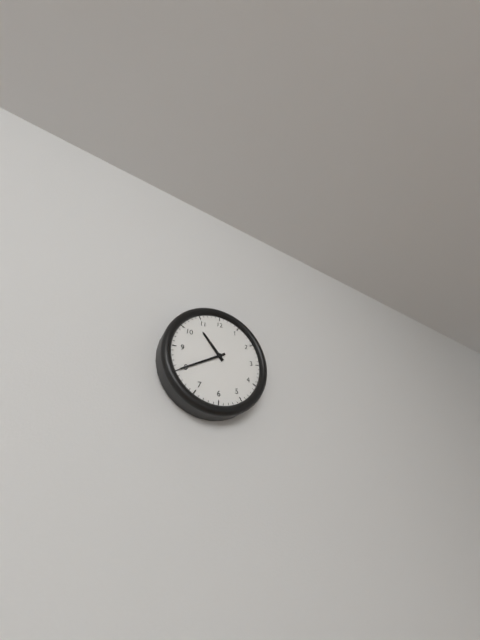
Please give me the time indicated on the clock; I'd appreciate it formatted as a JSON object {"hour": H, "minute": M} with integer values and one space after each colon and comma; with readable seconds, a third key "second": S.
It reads {"hour": 10, "minute": 40}
